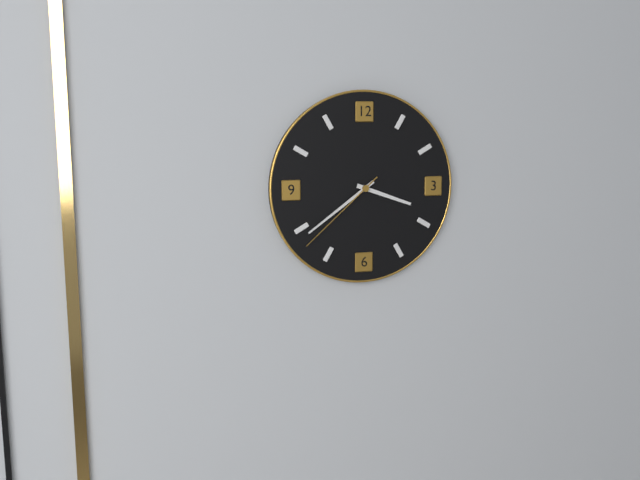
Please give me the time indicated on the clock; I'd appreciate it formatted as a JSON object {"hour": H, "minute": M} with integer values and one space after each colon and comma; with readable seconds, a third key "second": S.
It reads {"hour": 3, "minute": 39, "second": 38}
